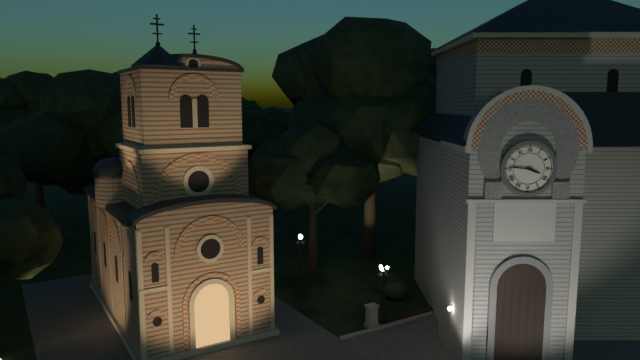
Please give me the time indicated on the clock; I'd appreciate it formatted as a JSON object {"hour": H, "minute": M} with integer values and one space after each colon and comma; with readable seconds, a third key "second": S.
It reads {"hour": 3, "minute": 46}
